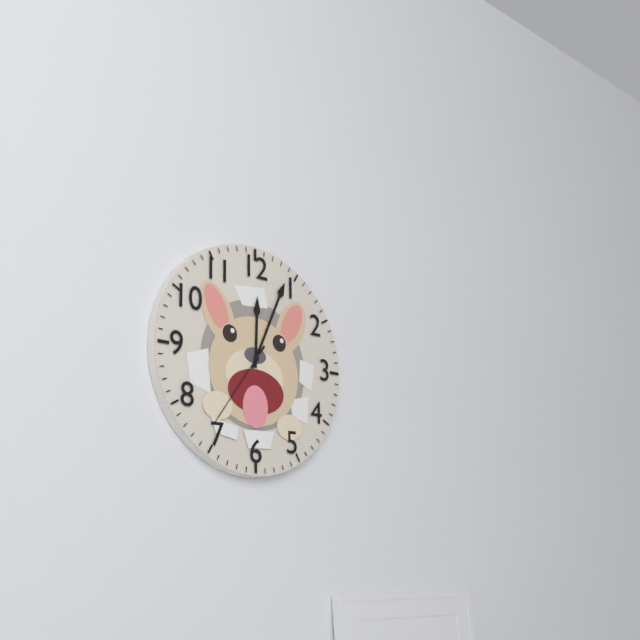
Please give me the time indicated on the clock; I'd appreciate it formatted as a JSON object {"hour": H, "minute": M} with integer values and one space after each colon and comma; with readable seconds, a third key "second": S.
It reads {"hour": 12, "minute": 4, "second": 36}
